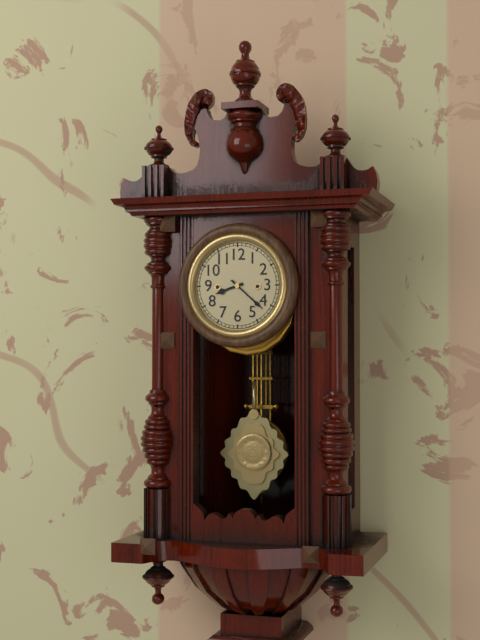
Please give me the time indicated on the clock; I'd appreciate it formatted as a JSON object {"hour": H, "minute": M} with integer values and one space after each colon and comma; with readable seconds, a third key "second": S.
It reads {"hour": 8, "minute": 22}
